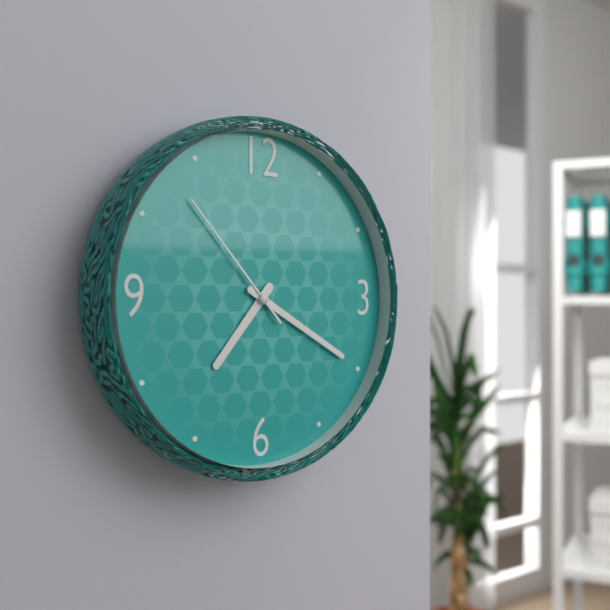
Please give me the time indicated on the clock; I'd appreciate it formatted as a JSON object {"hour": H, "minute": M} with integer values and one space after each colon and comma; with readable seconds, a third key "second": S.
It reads {"hour": 7, "minute": 20, "second": 53}
